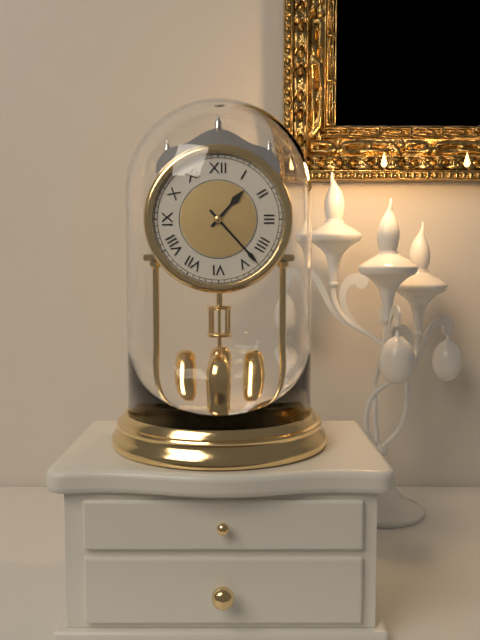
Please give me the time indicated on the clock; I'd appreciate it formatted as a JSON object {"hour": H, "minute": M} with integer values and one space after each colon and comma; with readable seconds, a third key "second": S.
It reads {"hour": 1, "minute": 23}
